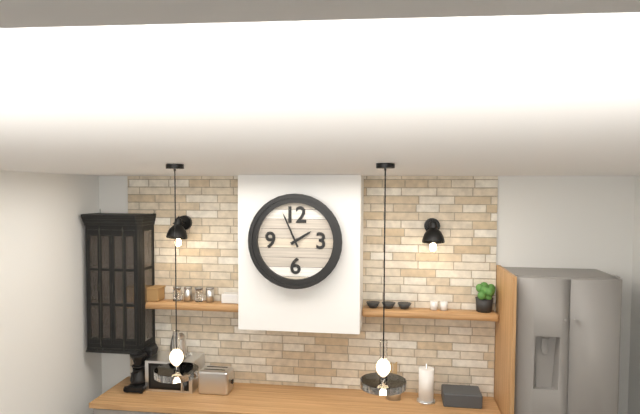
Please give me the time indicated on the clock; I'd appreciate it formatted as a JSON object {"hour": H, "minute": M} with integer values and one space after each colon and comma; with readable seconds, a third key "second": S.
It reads {"hour": 1, "minute": 56}
